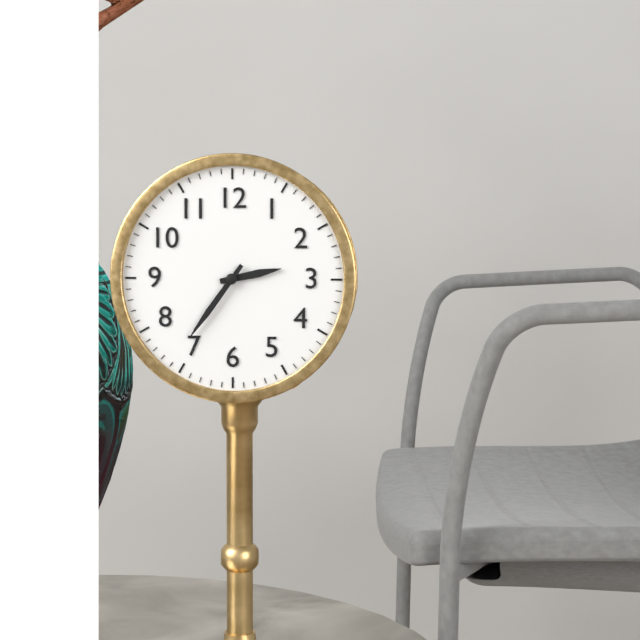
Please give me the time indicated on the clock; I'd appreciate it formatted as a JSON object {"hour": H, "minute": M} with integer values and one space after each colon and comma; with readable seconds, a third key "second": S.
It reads {"hour": 2, "minute": 36}
